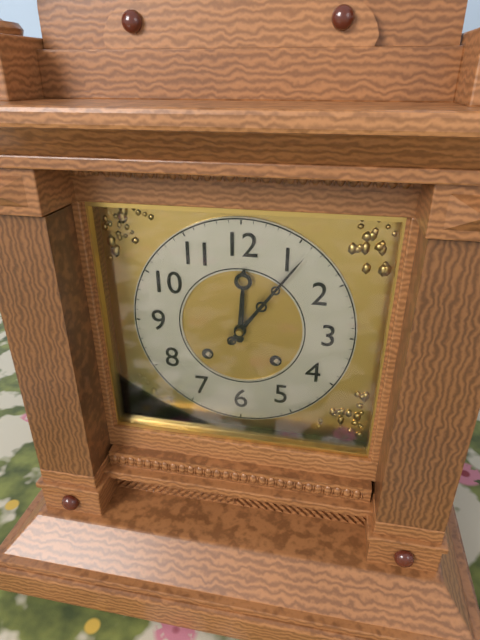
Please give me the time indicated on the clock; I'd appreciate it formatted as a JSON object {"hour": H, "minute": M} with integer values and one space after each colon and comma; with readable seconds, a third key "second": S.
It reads {"hour": 12, "minute": 6}
